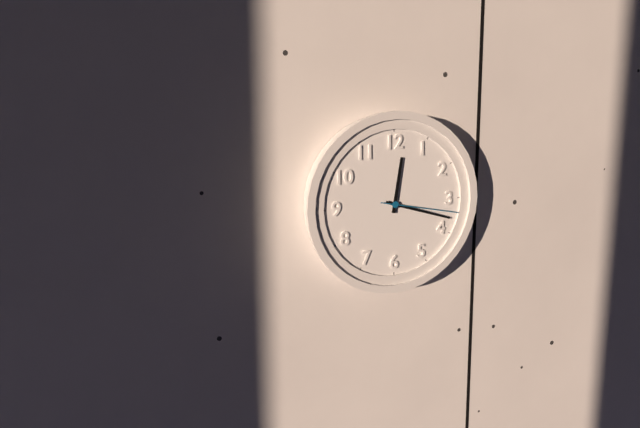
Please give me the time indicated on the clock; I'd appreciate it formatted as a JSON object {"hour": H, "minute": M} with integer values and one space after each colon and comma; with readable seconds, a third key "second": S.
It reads {"hour": 12, "minute": 18, "second": 17}
